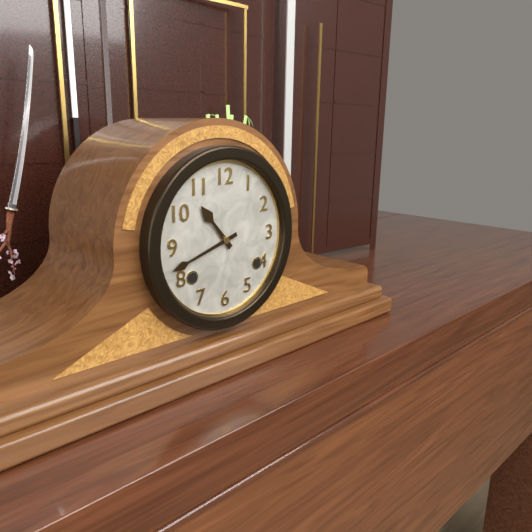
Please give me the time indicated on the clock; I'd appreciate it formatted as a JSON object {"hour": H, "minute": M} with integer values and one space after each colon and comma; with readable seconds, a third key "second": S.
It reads {"hour": 10, "minute": 42}
